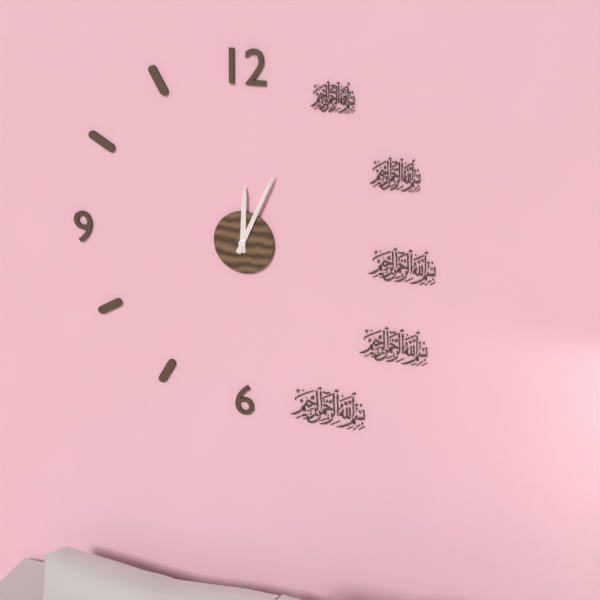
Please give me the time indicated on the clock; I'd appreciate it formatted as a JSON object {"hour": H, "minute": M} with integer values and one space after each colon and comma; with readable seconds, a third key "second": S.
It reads {"hour": 12, "minute": 4}
